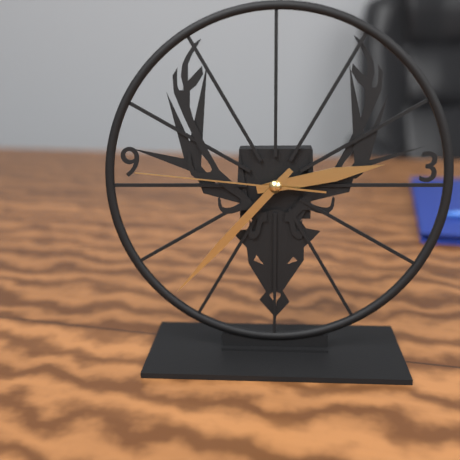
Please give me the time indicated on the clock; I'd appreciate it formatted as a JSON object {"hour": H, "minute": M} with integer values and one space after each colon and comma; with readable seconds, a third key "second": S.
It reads {"hour": 2, "minute": 37, "second": 46}
